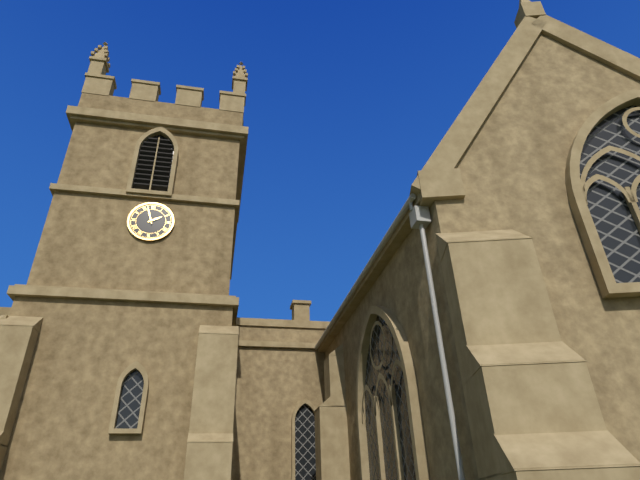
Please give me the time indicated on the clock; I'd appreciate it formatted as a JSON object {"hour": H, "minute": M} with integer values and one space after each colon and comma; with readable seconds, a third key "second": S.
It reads {"hour": 1, "minute": 57}
